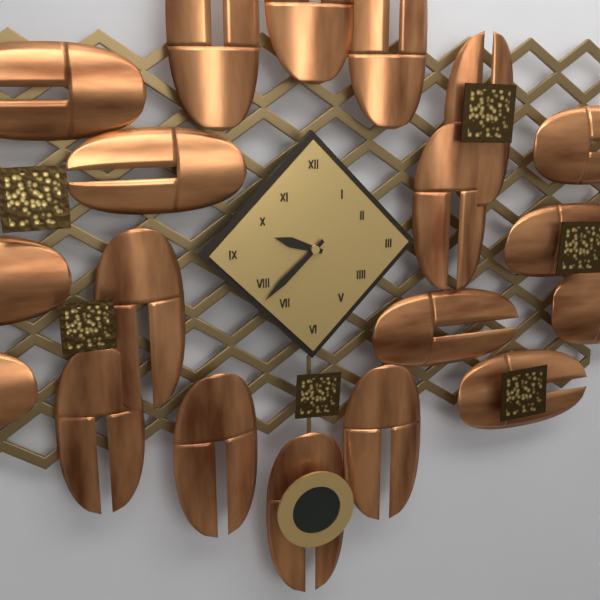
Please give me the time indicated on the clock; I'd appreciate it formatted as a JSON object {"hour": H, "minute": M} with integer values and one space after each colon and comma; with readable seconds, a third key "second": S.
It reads {"hour": 9, "minute": 38}
